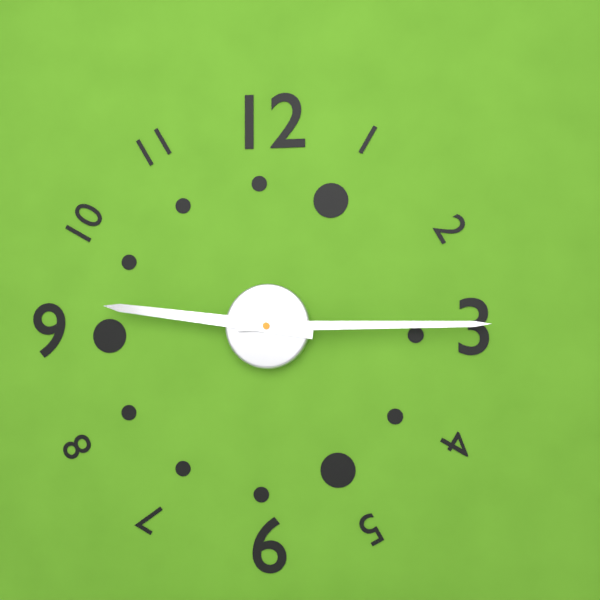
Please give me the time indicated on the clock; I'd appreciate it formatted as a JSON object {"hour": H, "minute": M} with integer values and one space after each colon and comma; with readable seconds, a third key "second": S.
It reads {"hour": 9, "minute": 15}
